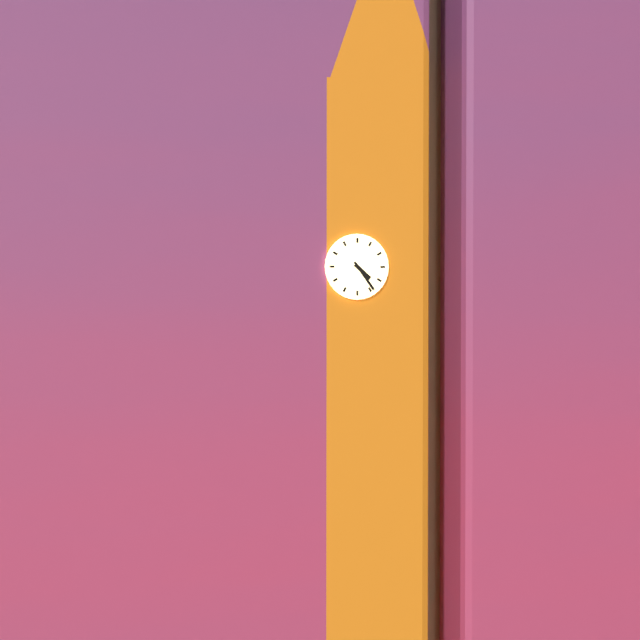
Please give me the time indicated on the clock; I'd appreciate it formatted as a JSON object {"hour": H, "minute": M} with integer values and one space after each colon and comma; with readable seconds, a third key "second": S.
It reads {"hour": 4, "minute": 24}
